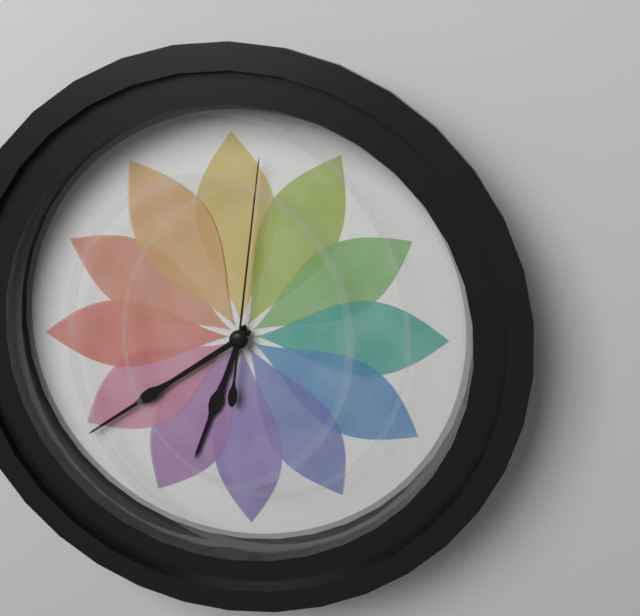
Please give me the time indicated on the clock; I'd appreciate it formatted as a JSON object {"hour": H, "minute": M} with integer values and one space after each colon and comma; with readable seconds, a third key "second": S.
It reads {"hour": 6, "minute": 39, "second": 1}
